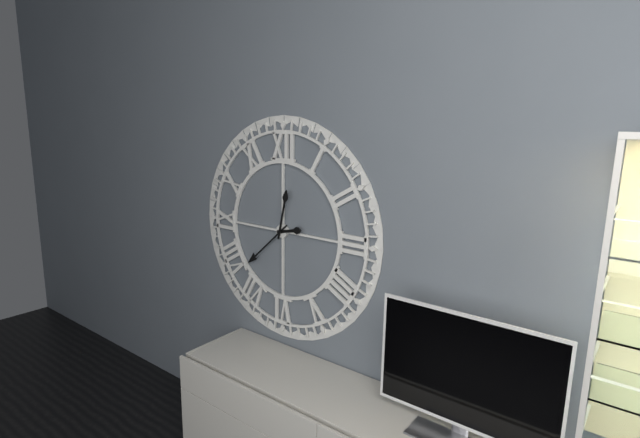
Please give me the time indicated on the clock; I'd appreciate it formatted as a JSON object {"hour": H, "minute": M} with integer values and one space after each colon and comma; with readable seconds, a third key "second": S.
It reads {"hour": 2, "minute": 38, "second": 2}
